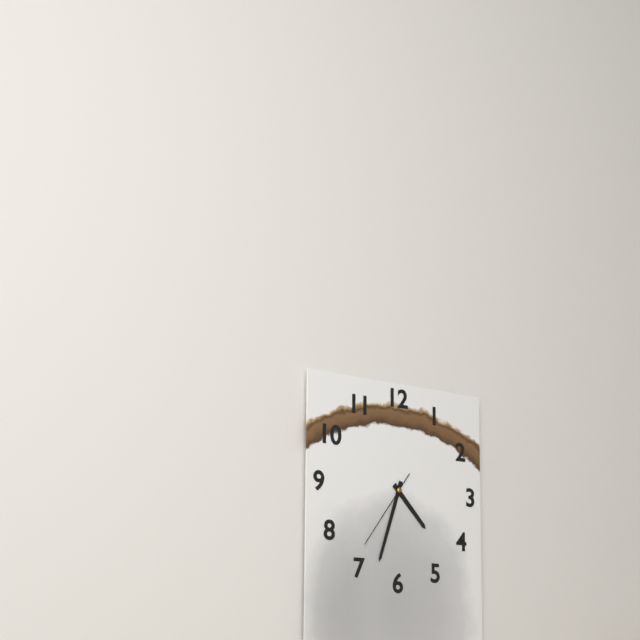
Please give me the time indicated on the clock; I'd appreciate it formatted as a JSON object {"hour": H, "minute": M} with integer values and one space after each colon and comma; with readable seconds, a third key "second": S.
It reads {"hour": 4, "minute": 33, "second": 36}
